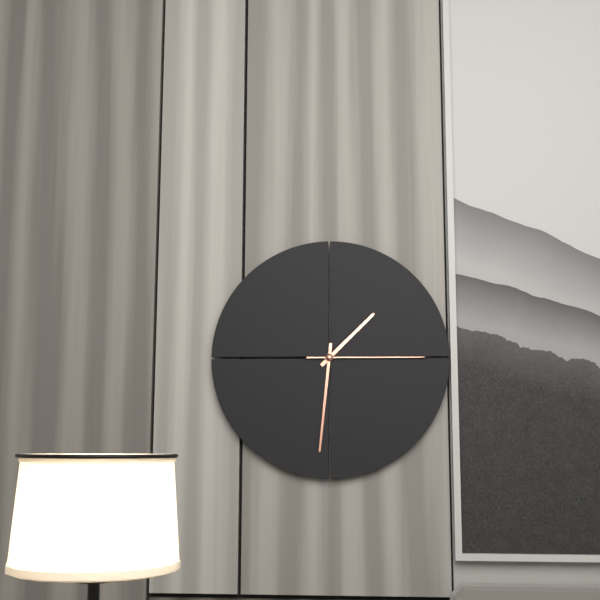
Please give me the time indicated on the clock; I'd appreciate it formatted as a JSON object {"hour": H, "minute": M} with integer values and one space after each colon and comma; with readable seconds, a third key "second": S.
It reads {"hour": 1, "minute": 31, "second": 15}
